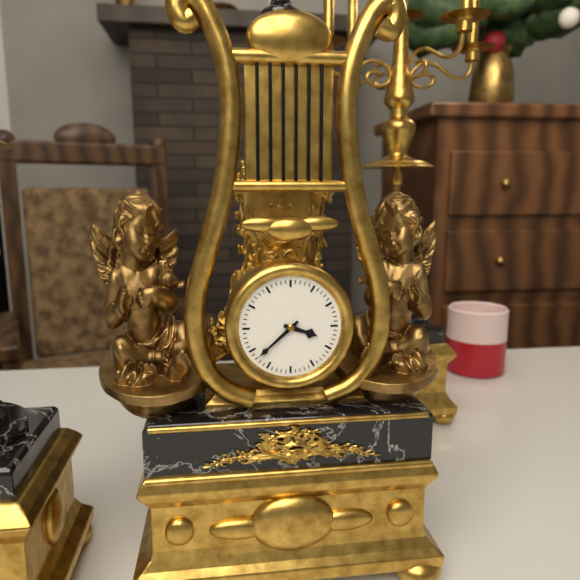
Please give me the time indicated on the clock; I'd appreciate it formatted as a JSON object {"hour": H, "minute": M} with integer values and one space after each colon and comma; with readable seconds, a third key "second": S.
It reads {"hour": 3, "minute": 38}
